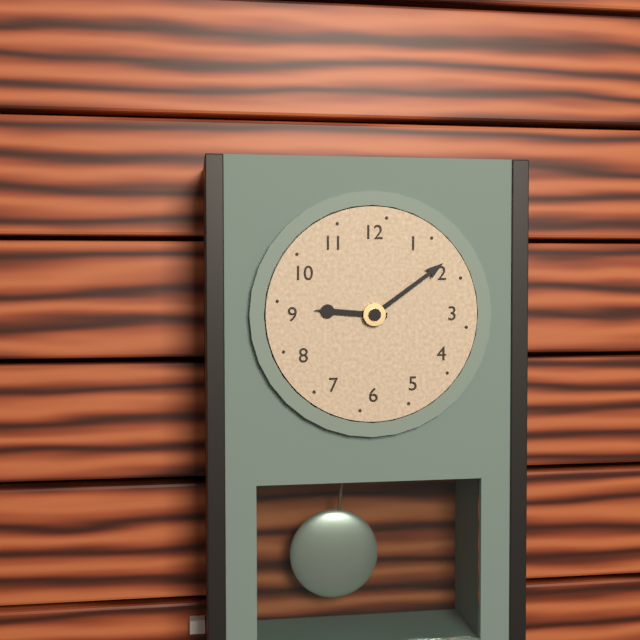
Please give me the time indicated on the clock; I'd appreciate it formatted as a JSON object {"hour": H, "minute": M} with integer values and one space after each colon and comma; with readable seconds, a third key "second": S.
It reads {"hour": 9, "minute": 9}
